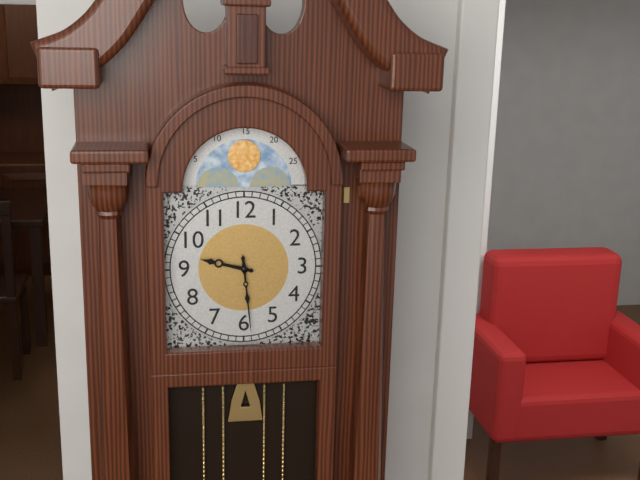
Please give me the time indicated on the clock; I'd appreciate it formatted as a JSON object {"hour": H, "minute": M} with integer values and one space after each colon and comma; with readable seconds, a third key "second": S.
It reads {"hour": 9, "minute": 29}
